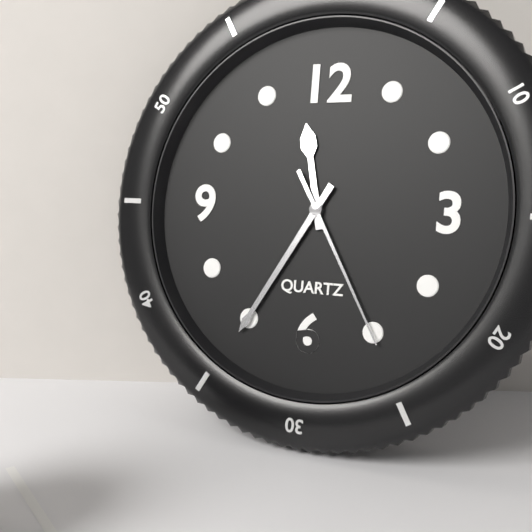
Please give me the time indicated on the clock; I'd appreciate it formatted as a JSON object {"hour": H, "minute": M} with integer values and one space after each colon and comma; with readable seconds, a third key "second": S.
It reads {"hour": 11, "minute": 35, "second": 25}
